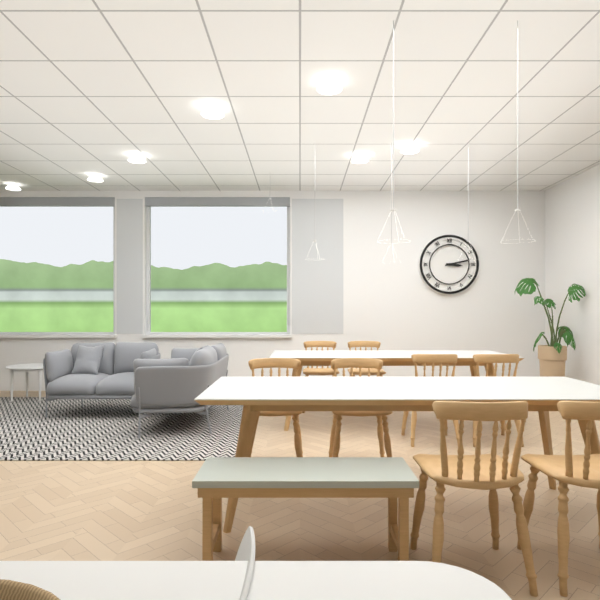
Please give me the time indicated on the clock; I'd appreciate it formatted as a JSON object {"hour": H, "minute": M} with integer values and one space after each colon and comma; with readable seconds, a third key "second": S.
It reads {"hour": 3, "minute": 13}
